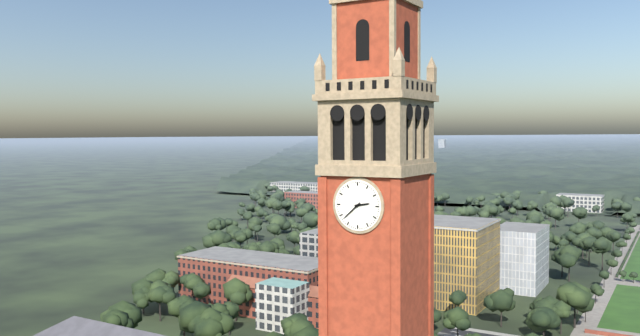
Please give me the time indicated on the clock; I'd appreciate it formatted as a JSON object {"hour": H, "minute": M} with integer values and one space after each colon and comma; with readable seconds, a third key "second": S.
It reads {"hour": 2, "minute": 38}
